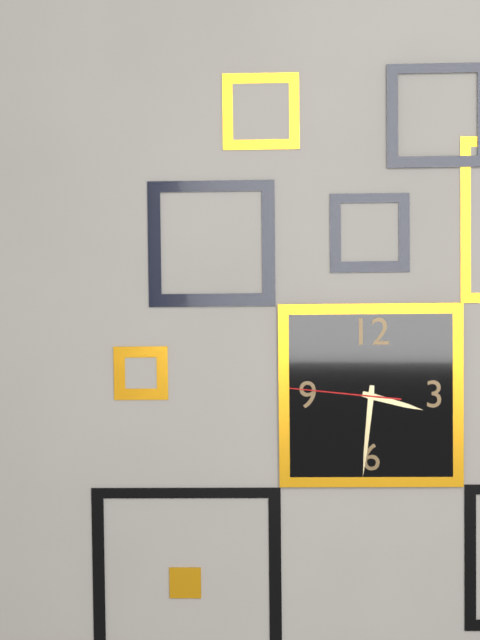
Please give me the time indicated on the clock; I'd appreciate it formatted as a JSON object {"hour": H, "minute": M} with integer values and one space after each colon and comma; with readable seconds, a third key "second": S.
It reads {"hour": 3, "minute": 31, "second": 46}
